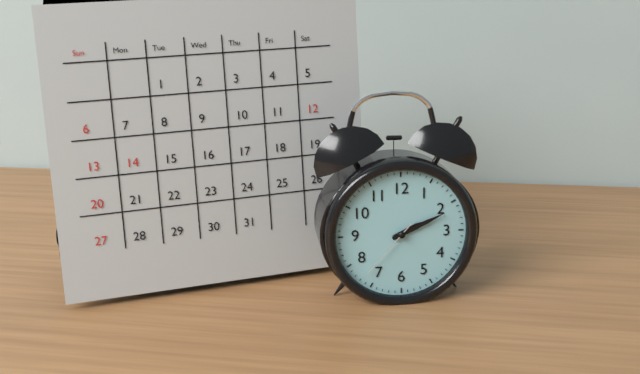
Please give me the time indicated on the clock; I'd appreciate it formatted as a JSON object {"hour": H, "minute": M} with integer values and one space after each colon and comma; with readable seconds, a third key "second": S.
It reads {"hour": 2, "minute": 11, "second": 37}
